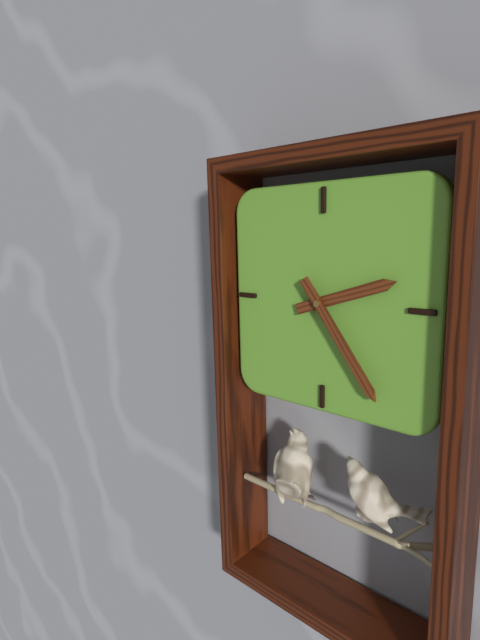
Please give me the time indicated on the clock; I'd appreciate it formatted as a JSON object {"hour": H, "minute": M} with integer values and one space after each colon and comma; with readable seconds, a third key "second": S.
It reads {"hour": 2, "minute": 24}
